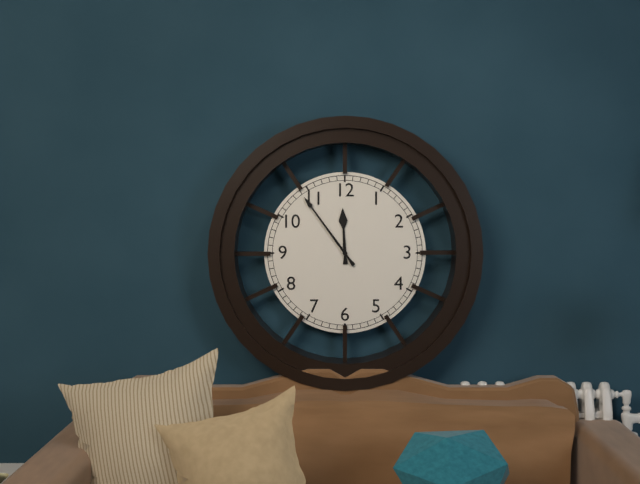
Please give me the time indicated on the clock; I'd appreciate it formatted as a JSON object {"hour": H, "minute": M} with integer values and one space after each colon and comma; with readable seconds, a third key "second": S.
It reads {"hour": 11, "minute": 54}
